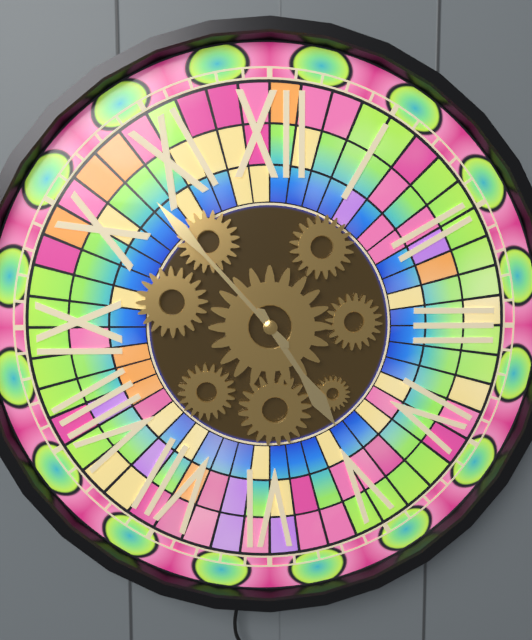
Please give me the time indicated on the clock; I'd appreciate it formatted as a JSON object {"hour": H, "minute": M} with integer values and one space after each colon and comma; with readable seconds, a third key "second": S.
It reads {"hour": 4, "minute": 53}
